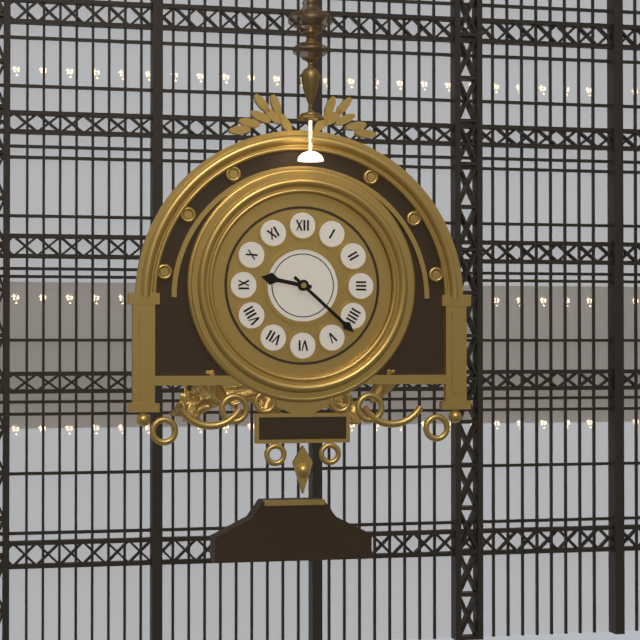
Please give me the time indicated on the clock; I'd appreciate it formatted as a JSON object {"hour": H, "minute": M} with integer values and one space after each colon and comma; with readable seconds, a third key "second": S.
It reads {"hour": 9, "minute": 22}
